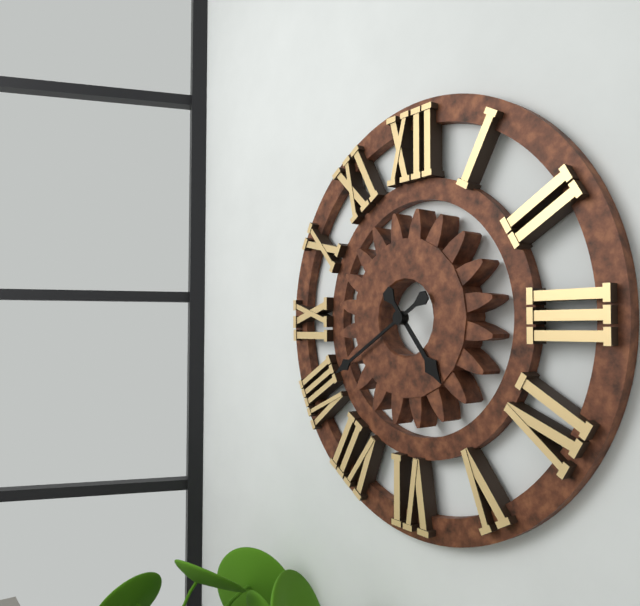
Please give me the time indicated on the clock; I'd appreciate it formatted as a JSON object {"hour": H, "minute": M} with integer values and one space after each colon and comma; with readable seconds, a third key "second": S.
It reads {"hour": 4, "minute": 40}
